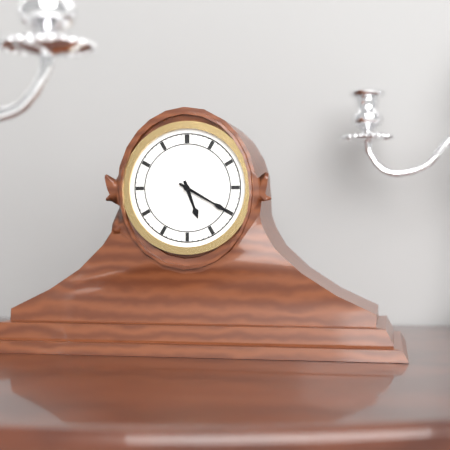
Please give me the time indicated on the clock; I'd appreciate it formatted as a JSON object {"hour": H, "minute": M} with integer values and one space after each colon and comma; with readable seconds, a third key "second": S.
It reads {"hour": 5, "minute": 20}
